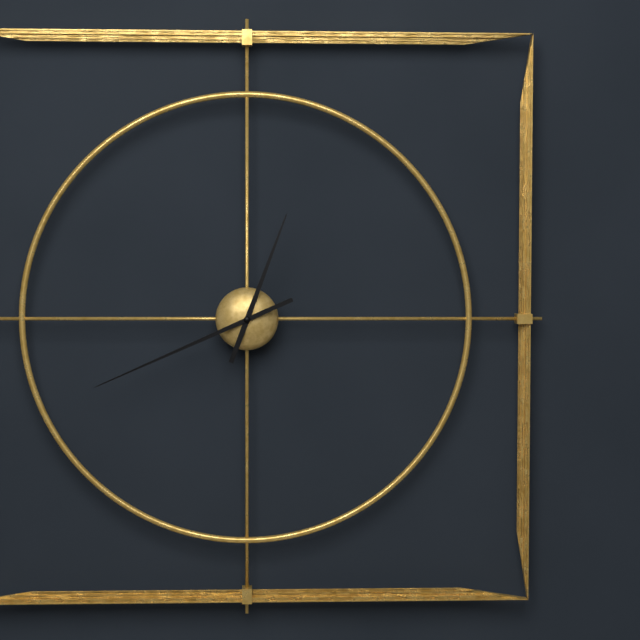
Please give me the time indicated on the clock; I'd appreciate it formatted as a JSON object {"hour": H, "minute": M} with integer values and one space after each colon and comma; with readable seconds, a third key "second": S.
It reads {"hour": 12, "minute": 41}
